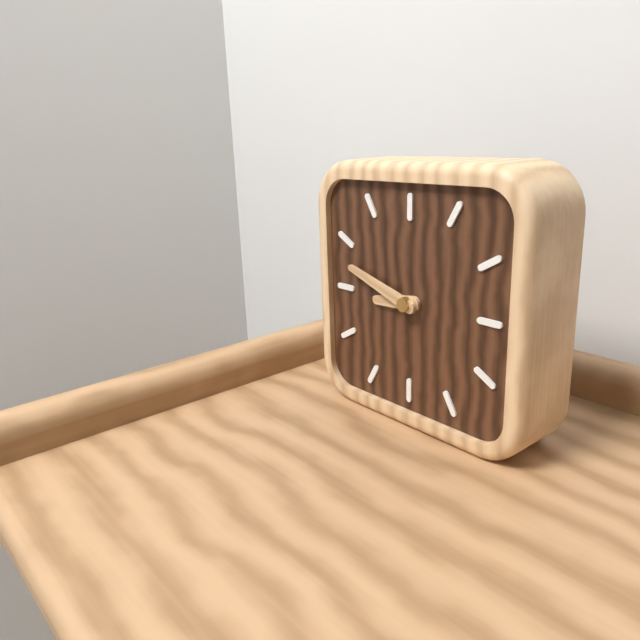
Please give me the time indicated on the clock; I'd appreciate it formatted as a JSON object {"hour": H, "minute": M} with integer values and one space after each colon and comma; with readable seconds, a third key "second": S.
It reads {"hour": 8, "minute": 48}
